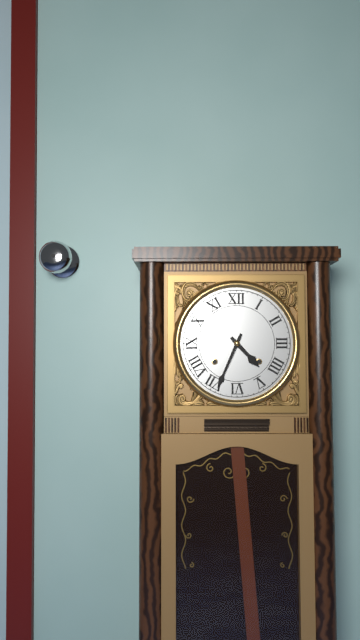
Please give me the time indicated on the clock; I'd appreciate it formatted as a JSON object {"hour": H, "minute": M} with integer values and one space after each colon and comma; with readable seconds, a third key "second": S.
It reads {"hour": 4, "minute": 34}
